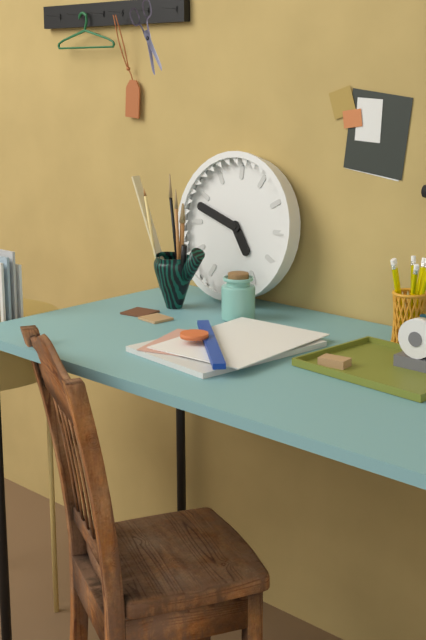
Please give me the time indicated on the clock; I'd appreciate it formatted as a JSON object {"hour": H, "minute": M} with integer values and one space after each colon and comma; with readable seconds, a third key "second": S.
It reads {"hour": 4, "minute": 48}
